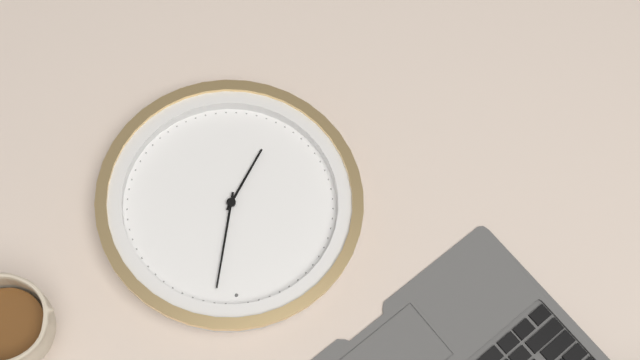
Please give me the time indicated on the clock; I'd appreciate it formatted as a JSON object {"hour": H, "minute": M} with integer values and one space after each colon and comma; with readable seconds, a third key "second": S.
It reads {"hour": 7, "minute": 2}
